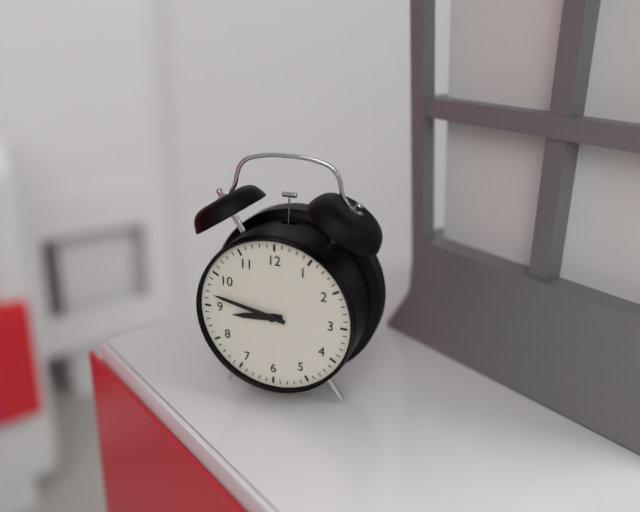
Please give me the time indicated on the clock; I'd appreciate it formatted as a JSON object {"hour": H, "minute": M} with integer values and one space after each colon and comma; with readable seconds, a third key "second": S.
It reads {"hour": 8, "minute": 47}
